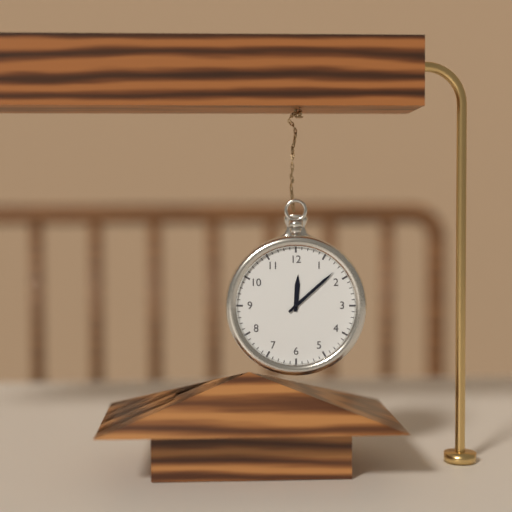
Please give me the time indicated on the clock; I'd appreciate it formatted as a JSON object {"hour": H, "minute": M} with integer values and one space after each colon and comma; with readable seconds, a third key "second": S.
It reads {"hour": 12, "minute": 8}
